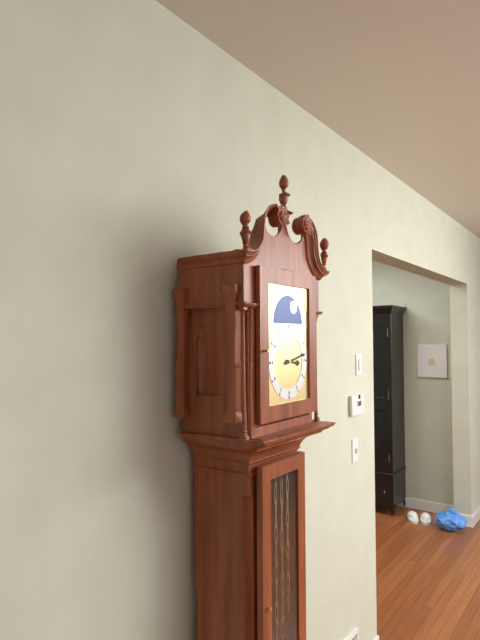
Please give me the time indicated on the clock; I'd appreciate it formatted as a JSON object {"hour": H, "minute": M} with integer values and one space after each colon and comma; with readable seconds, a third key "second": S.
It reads {"hour": 3, "minute": 13}
